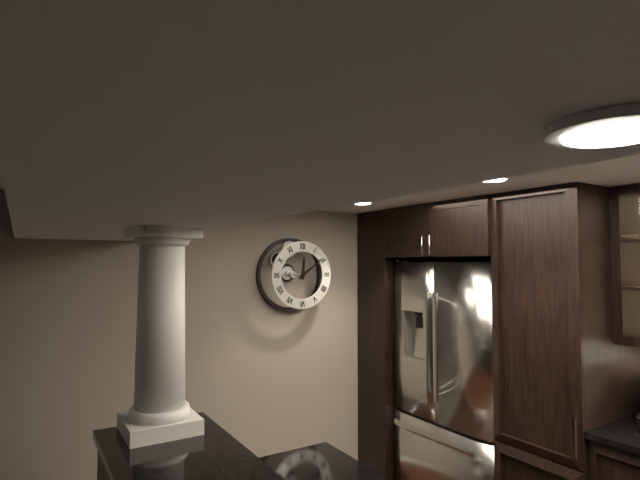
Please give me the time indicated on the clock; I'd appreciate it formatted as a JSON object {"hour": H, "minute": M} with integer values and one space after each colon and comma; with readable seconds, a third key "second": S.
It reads {"hour": 12, "minute": 9}
